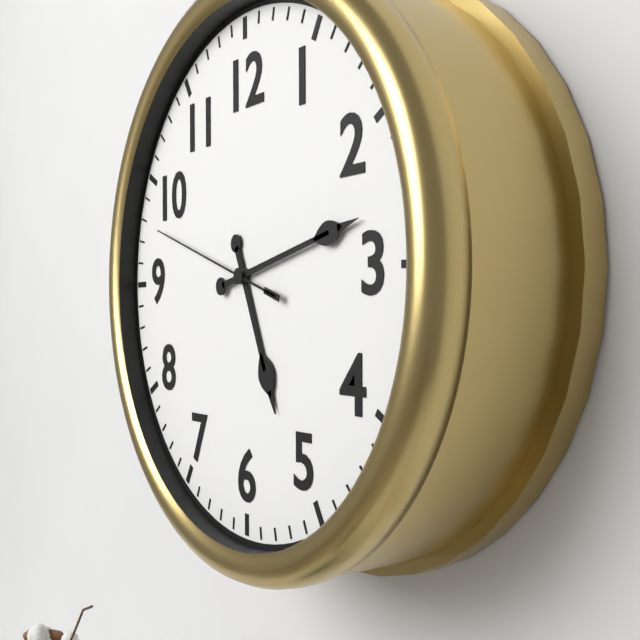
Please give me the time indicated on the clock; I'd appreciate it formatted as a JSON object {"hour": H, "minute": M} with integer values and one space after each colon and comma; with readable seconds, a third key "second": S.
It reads {"hour": 5, "minute": 13, "second": 48}
